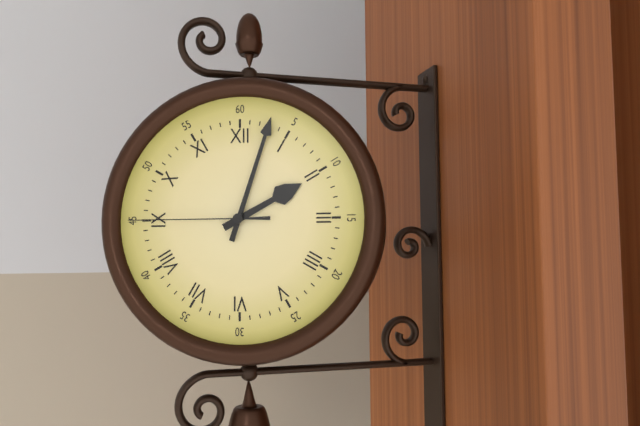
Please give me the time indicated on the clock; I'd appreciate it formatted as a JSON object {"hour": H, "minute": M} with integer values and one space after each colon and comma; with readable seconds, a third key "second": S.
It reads {"hour": 2, "minute": 3, "second": 45}
